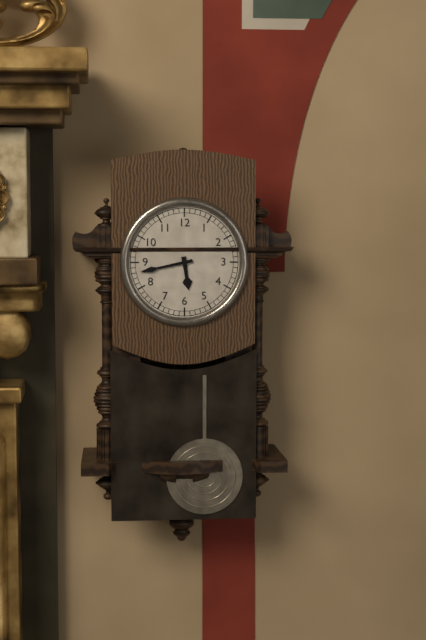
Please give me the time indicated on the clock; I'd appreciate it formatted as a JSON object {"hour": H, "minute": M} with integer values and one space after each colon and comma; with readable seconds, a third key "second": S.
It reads {"hour": 5, "minute": 43}
